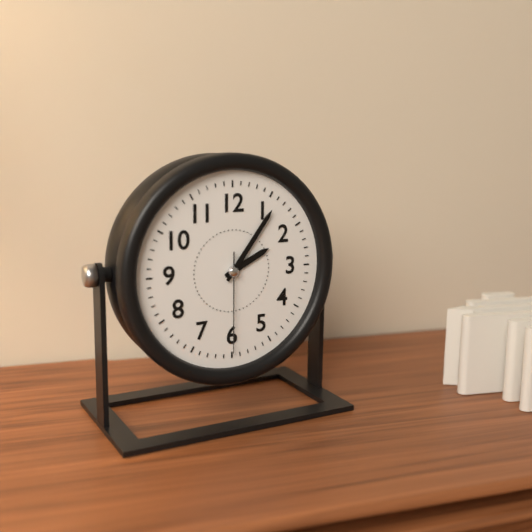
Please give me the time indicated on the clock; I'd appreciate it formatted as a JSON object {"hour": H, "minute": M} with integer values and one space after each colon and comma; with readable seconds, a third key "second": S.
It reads {"hour": 2, "minute": 6, "second": 30}
